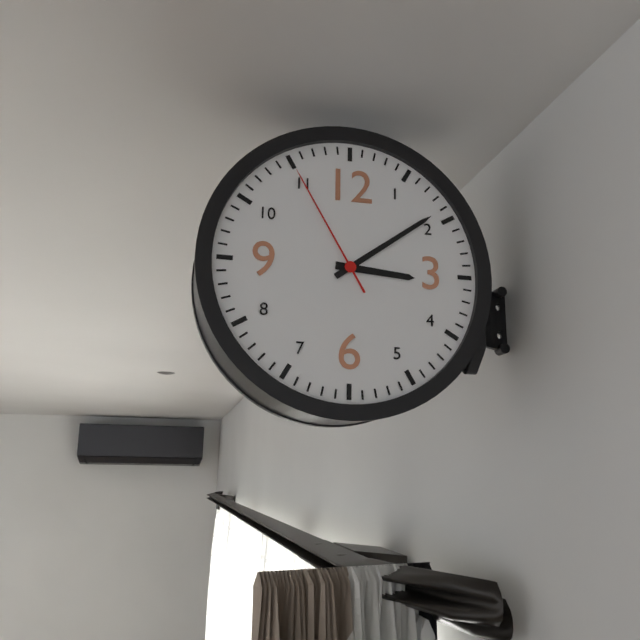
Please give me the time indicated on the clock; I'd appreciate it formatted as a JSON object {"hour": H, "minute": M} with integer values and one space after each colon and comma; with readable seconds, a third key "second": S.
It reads {"hour": 3, "minute": 9, "second": 55}
